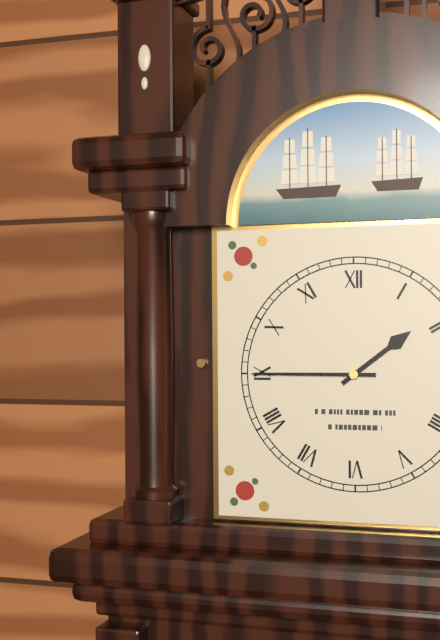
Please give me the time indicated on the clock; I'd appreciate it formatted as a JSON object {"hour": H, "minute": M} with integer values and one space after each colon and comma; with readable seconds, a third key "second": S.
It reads {"hour": 1, "minute": 45}
